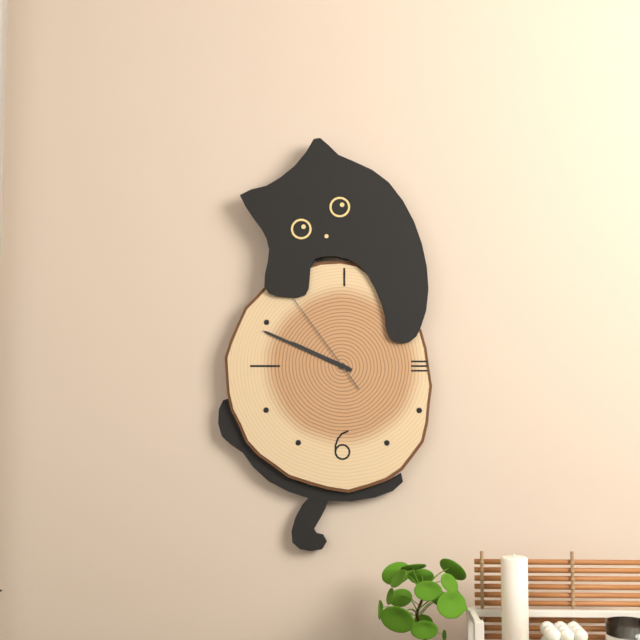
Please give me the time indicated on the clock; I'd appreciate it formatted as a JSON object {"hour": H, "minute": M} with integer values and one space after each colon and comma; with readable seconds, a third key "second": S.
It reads {"hour": 9, "minute": 49, "second": 54}
